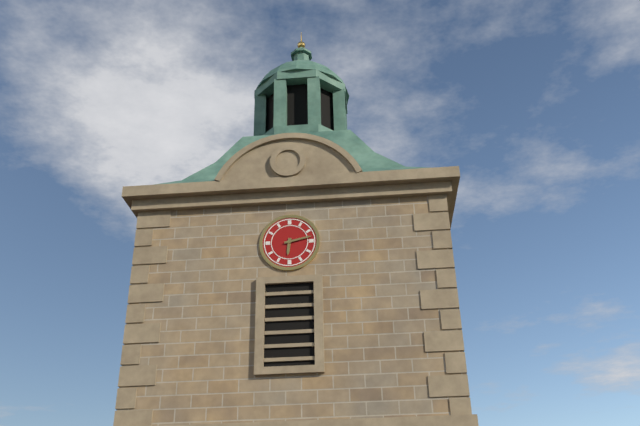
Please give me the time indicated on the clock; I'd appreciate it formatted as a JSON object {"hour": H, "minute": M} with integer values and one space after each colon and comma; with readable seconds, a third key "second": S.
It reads {"hour": 6, "minute": 13}
